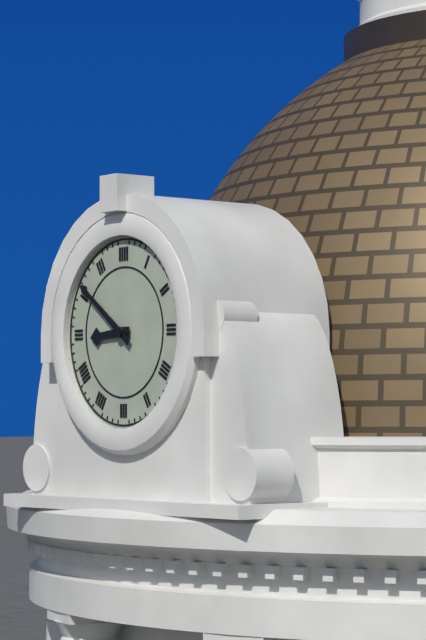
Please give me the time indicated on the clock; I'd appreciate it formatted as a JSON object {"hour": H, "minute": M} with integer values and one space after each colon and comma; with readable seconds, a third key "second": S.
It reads {"hour": 8, "minute": 51}
